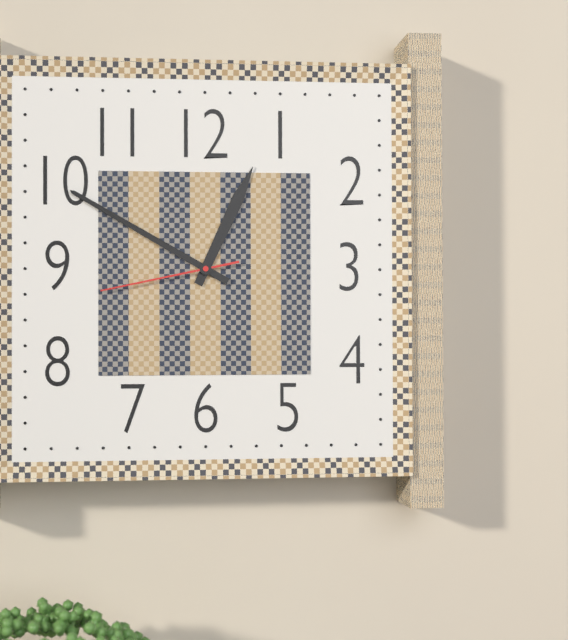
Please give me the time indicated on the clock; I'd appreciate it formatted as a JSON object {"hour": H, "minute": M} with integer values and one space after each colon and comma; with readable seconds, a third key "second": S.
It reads {"hour": 12, "minute": 50, "second": 43}
